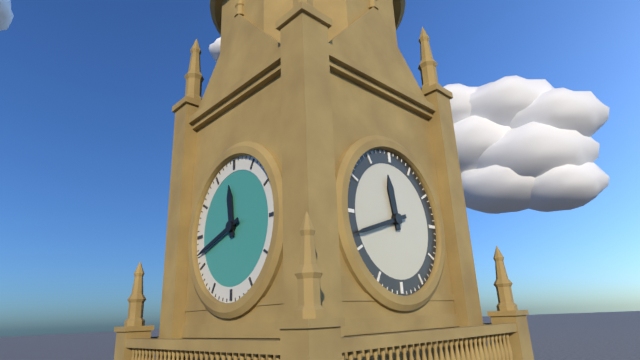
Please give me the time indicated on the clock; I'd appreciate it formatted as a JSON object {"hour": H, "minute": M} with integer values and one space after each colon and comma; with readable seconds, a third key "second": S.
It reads {"hour": 11, "minute": 42}
